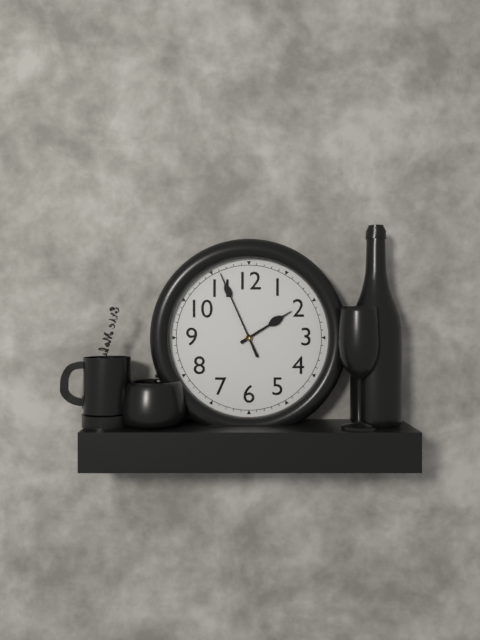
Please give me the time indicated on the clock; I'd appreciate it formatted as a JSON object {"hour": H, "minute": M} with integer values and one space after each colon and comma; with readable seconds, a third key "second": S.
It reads {"hour": 1, "minute": 56}
